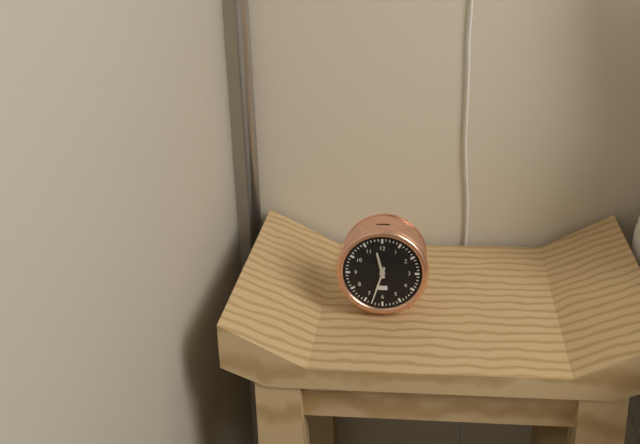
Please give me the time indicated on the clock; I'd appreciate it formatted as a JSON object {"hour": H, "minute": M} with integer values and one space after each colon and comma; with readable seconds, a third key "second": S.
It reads {"hour": 11, "minute": 33}
